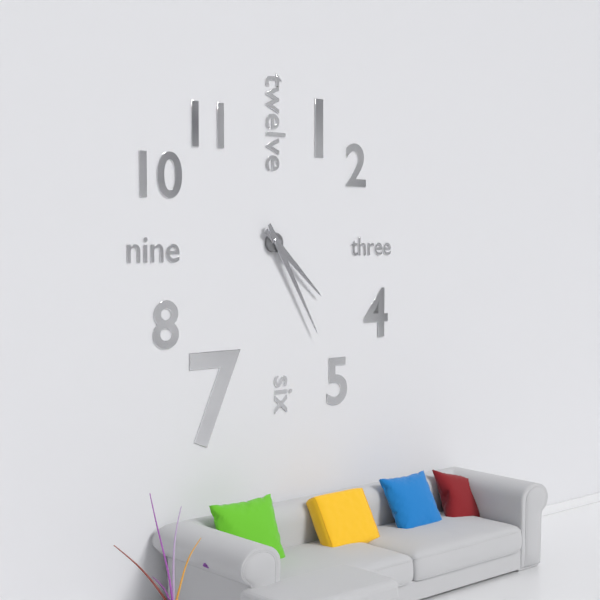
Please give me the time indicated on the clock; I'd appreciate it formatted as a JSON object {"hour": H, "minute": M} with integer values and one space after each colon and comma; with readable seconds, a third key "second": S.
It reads {"hour": 4, "minute": 25}
